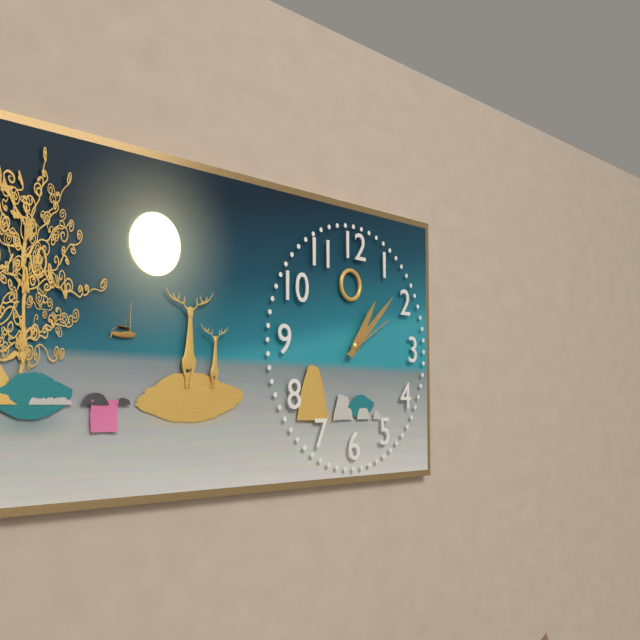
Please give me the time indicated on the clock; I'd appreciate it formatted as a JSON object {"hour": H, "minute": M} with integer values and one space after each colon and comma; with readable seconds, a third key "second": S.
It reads {"hour": 1, "minute": 8, "second": 10}
